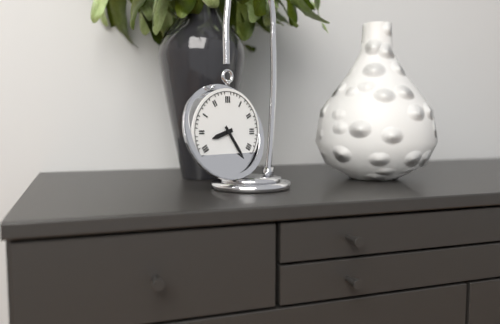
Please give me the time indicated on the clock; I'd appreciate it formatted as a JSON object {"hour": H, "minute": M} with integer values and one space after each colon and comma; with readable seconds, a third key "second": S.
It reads {"hour": 8, "minute": 24}
